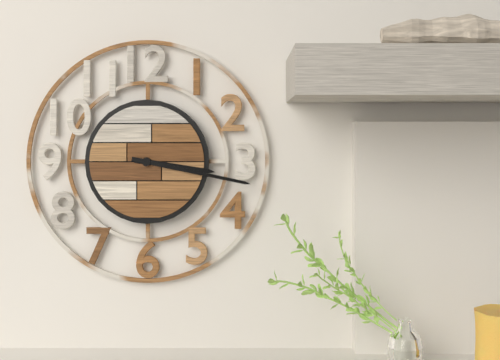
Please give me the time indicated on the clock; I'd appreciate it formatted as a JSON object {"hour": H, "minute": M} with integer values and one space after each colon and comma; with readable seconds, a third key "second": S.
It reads {"hour": 3, "minute": 17}
